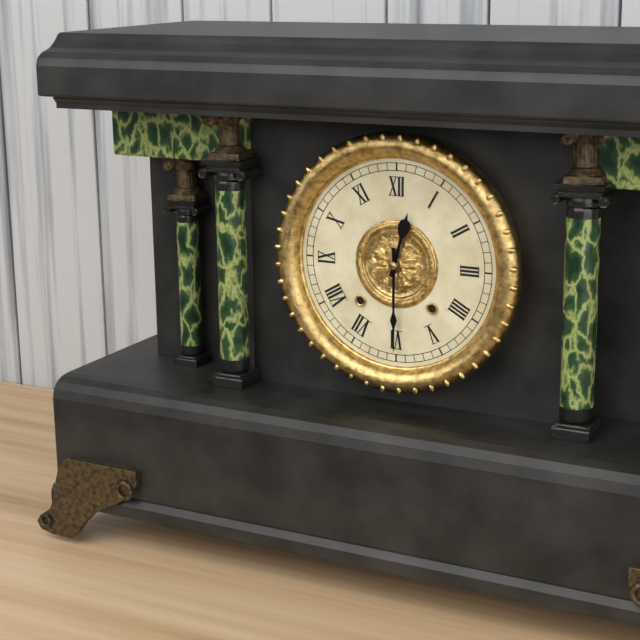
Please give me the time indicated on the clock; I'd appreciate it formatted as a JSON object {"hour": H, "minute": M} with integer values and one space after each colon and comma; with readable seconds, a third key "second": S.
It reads {"hour": 12, "minute": 30}
